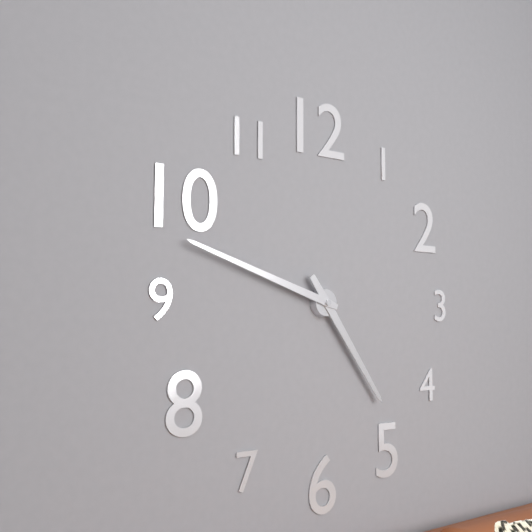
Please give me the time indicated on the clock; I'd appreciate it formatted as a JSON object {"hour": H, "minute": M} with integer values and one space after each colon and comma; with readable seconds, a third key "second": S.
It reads {"hour": 4, "minute": 48}
